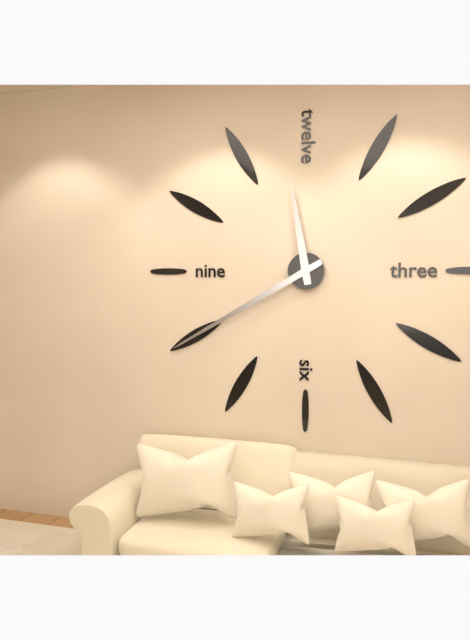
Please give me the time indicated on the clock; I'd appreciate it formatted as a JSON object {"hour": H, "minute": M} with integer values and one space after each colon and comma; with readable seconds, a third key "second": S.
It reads {"hour": 11, "minute": 40}
